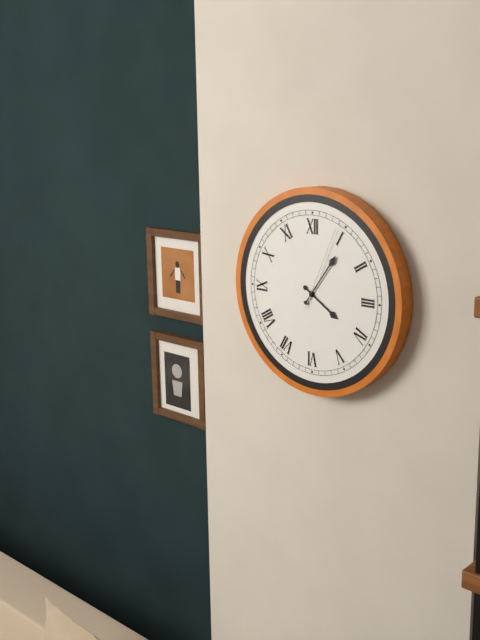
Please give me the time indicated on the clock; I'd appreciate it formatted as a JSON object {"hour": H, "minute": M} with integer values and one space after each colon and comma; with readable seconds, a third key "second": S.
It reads {"hour": 4, "minute": 6, "second": 4}
